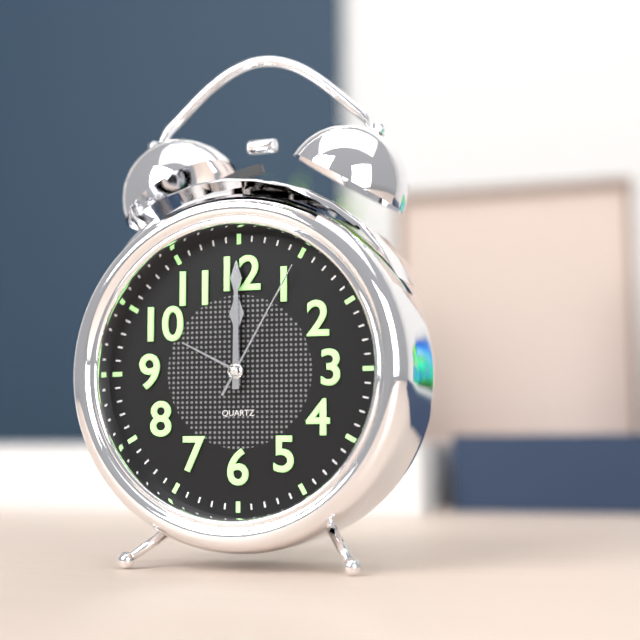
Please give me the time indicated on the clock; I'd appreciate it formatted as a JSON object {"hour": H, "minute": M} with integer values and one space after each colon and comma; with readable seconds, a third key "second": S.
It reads {"hour": 12, "minute": 0, "second": 5}
